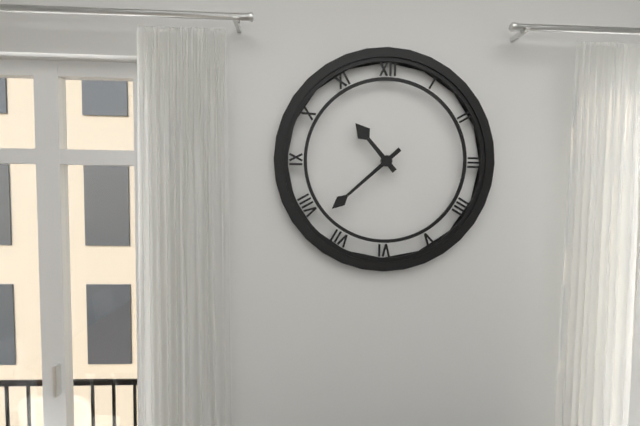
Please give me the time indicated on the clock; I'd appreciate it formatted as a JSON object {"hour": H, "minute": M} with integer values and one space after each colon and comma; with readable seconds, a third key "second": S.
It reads {"hour": 10, "minute": 38}
